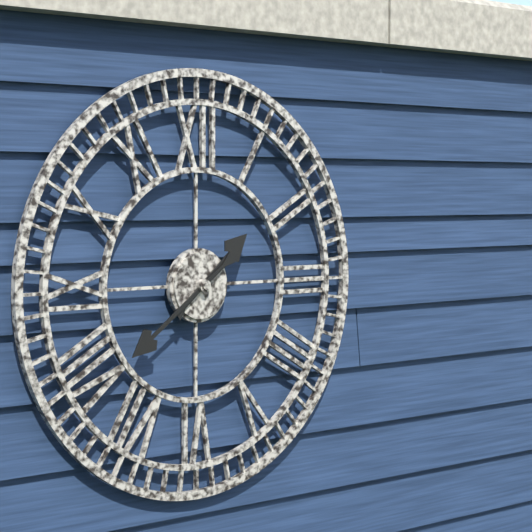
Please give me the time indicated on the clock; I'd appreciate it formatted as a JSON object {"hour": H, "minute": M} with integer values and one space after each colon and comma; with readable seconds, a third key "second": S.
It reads {"hour": 1, "minute": 39}
